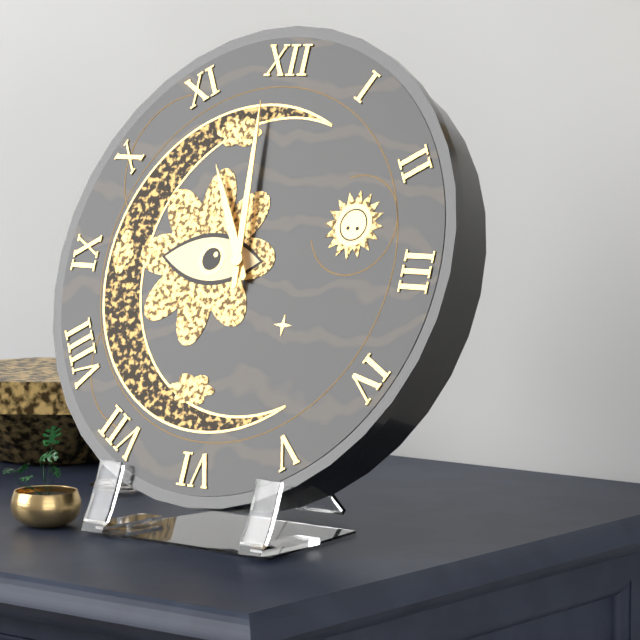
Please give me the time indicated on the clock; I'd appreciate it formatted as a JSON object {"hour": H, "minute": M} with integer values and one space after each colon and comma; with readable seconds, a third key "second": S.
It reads {"hour": 10, "minute": 59}
